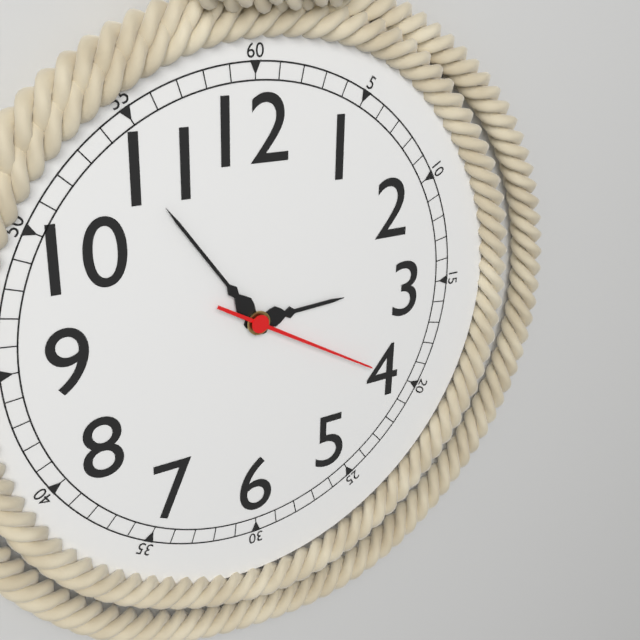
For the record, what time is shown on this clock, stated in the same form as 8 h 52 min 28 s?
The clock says 2 h 54 min 20 s
